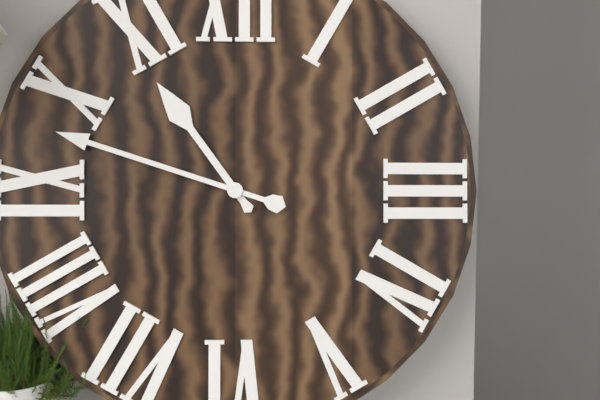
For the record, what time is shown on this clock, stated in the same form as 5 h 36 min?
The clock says 10 h 48 min
